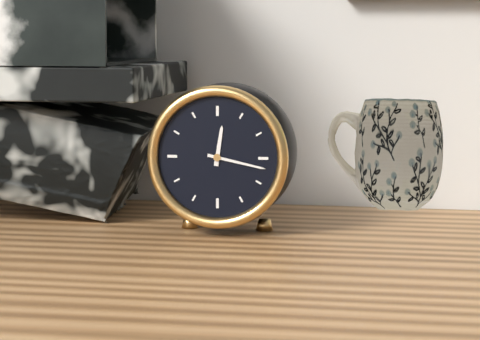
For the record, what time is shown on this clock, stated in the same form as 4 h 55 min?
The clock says 12 h 17 min
